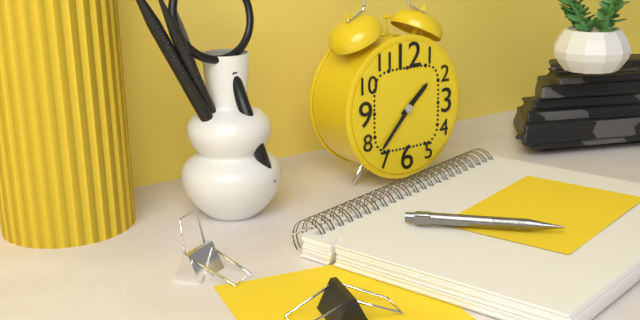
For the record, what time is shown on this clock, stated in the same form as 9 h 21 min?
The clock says 1 h 37 min
